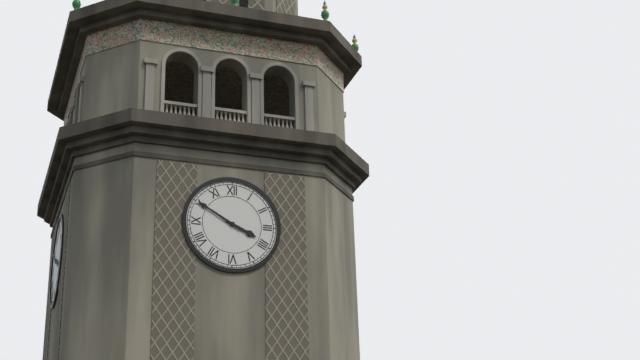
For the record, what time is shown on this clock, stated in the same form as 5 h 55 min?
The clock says 3 h 50 min
